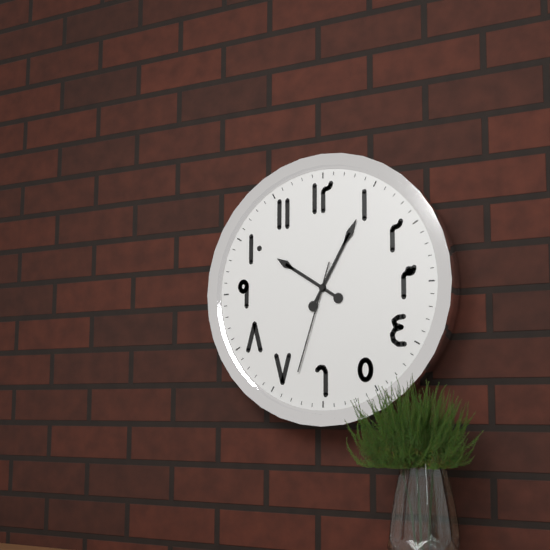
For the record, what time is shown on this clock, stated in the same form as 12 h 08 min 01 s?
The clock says 10 h 05 min 33 s
